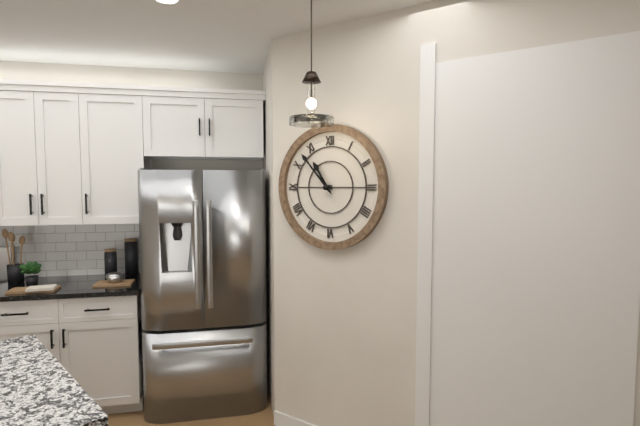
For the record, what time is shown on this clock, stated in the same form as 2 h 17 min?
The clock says 10 h 53 min
